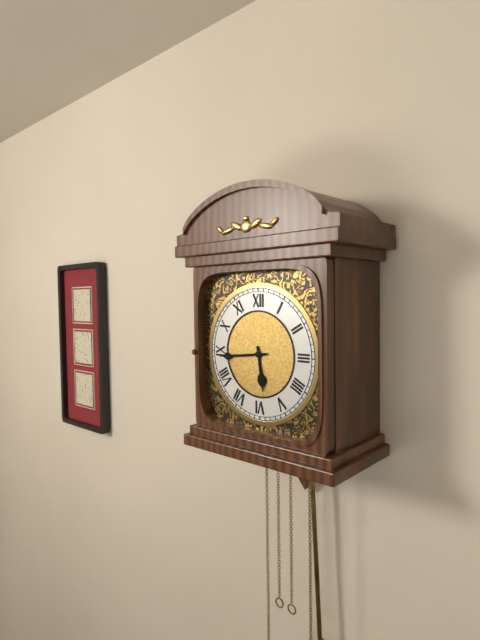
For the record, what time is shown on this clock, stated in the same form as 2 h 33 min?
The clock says 5 h 44 min
